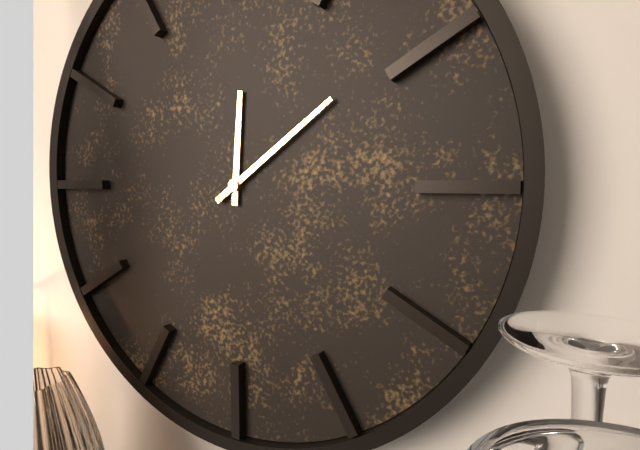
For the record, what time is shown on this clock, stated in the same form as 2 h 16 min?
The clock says 12 h 09 min
